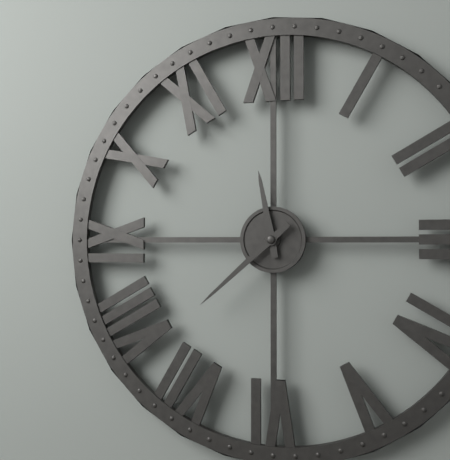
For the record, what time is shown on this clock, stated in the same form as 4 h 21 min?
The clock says 11 h 38 min
